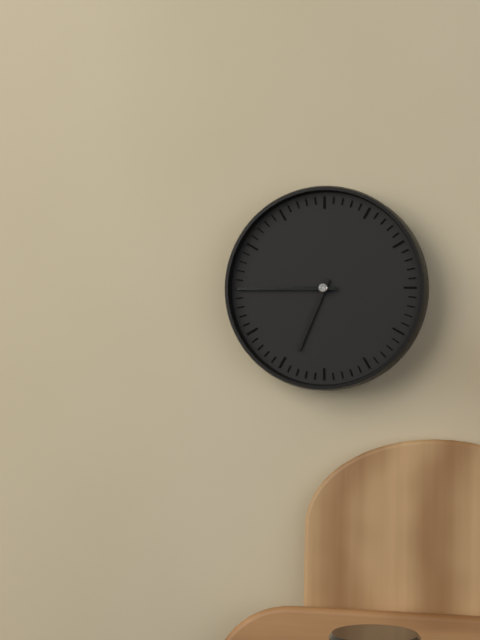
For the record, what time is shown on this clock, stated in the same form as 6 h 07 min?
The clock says 6 h 45 min
